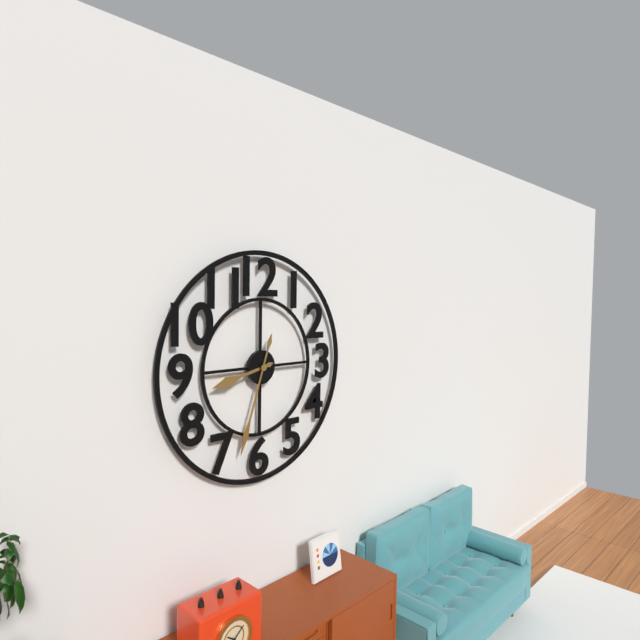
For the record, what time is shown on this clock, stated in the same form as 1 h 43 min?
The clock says 8 h 33 min
